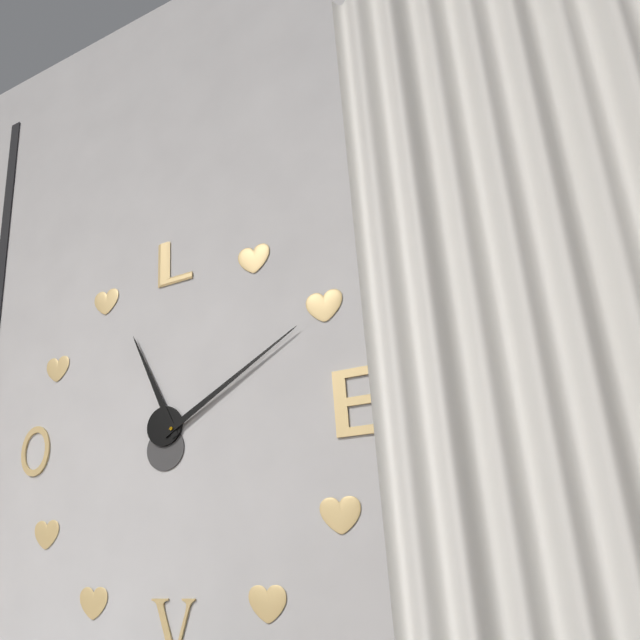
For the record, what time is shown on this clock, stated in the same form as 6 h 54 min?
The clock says 11 h 10 min
